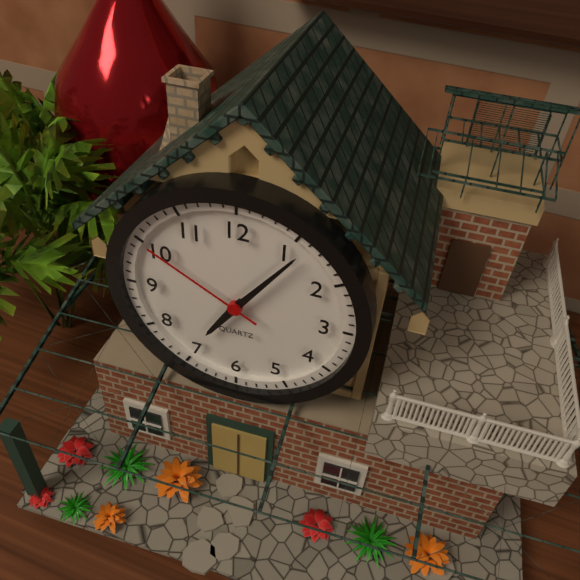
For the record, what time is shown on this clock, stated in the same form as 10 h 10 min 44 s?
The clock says 7 h 06 min 50 s
